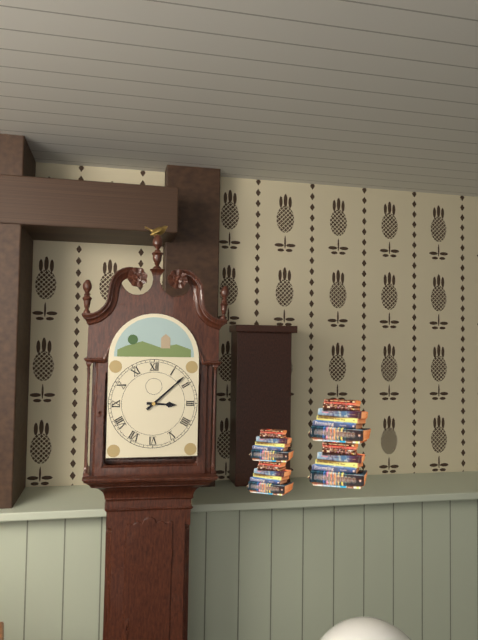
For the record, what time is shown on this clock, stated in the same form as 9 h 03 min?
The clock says 3 h 08 min
